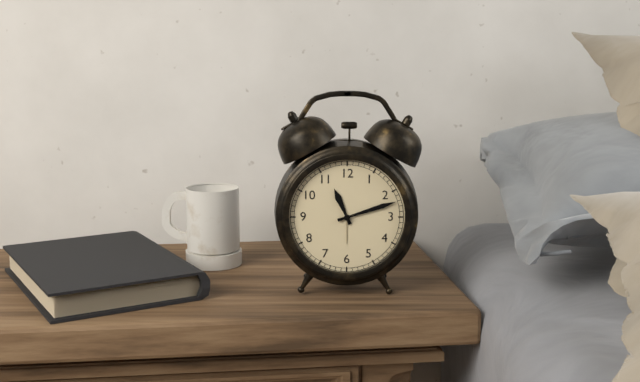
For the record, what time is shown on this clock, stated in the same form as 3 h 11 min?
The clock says 11 h 12 min
